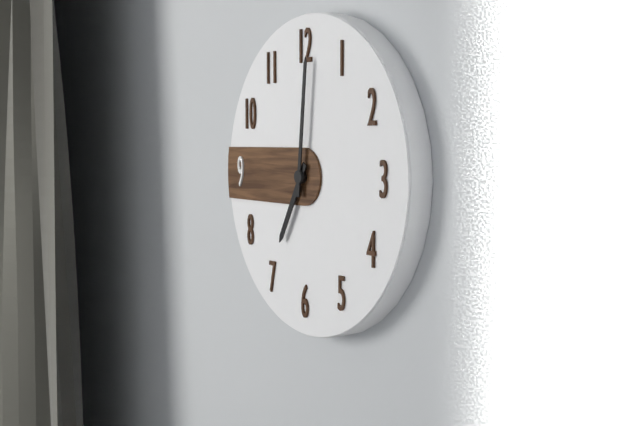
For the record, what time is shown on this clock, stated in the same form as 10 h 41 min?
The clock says 7 h 01 min
